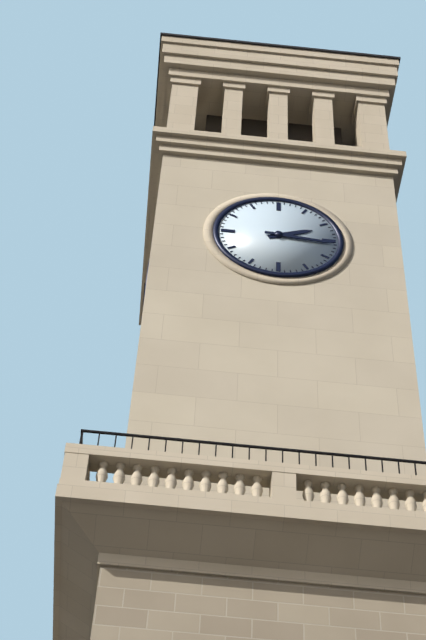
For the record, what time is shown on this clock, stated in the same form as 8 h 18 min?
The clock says 2 h 16 min
